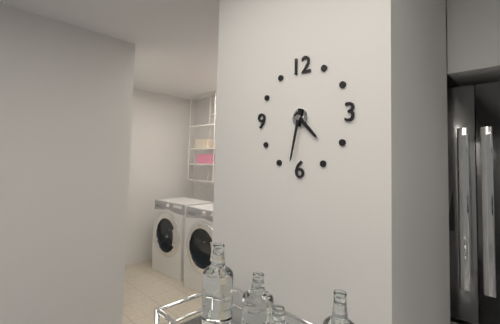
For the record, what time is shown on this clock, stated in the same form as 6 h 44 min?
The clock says 4 h 32 min
